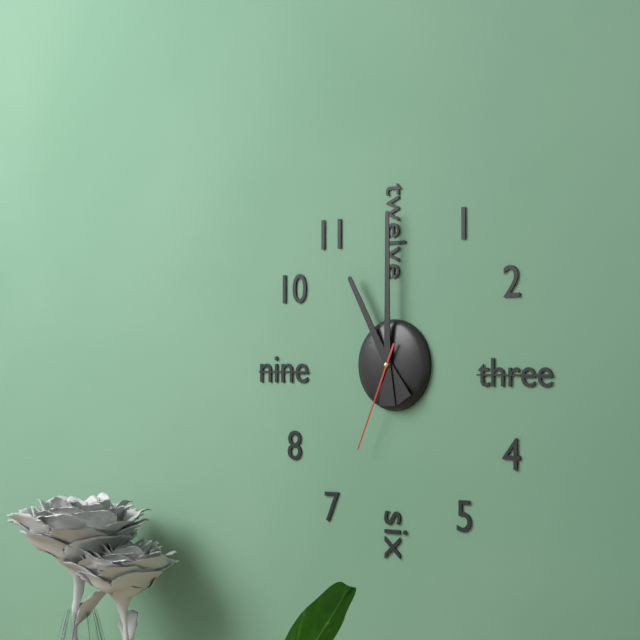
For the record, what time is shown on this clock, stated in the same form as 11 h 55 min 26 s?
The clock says 11 h 00 min 34 s
